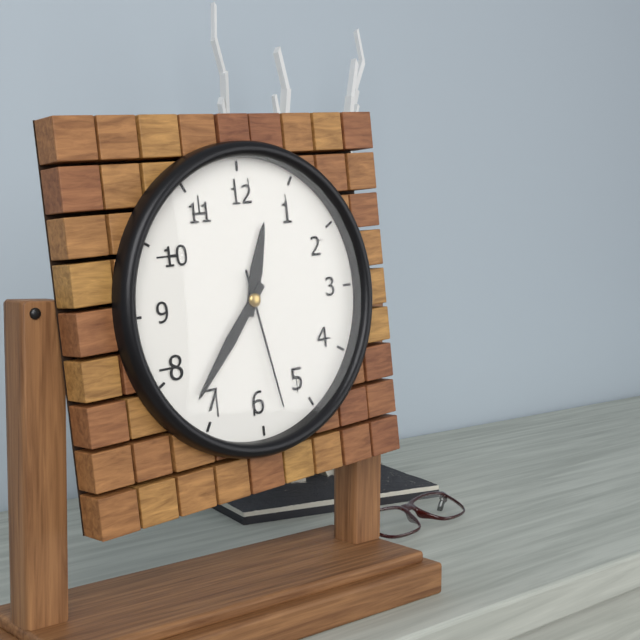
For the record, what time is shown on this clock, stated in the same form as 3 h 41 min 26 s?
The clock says 12 h 37 min 28 s
